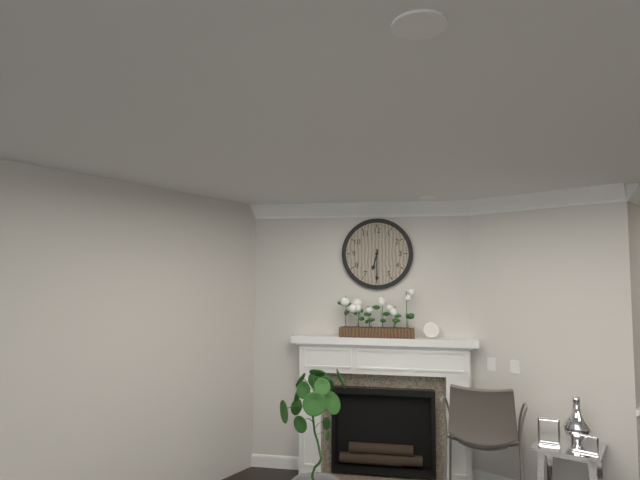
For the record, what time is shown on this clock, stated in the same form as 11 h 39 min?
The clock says 6 h 30 min
